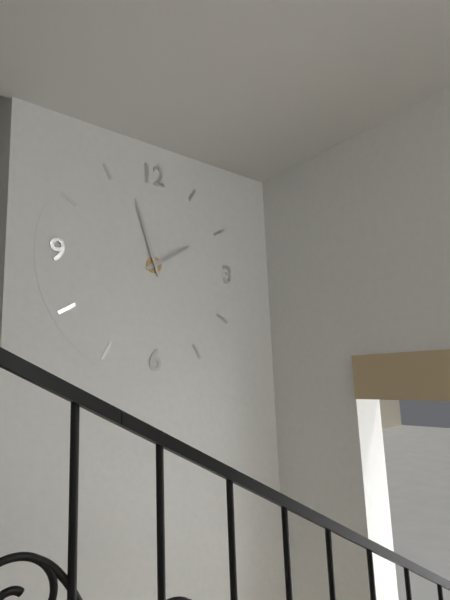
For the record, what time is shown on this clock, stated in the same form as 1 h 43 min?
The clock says 1 h 57 min
